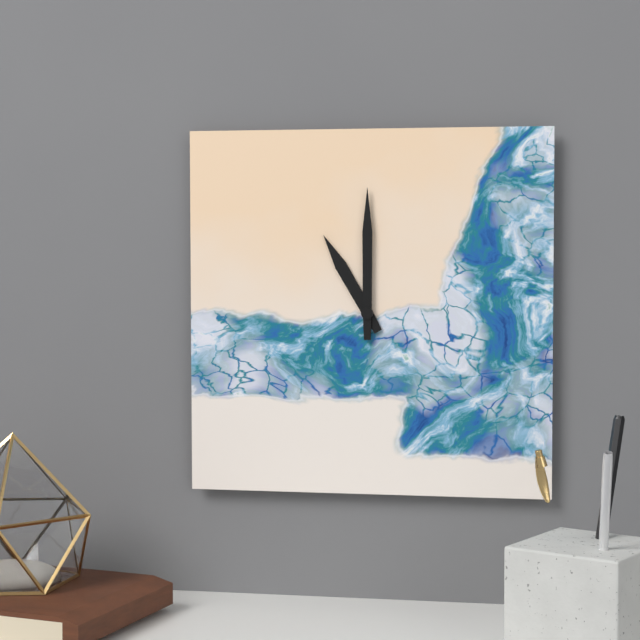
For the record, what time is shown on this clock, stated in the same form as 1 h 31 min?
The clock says 11 h 00 min
